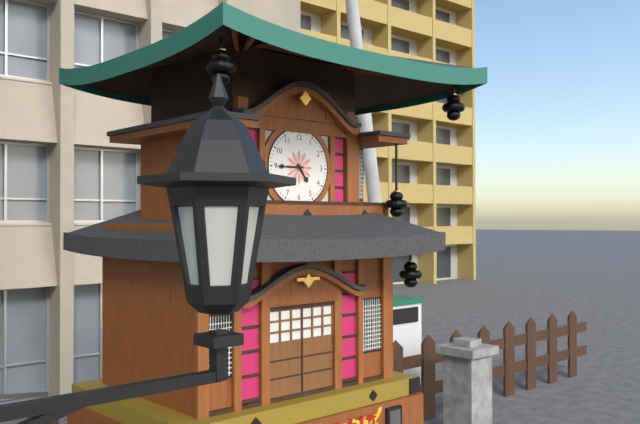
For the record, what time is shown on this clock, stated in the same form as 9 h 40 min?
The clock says 4 h 45 min
